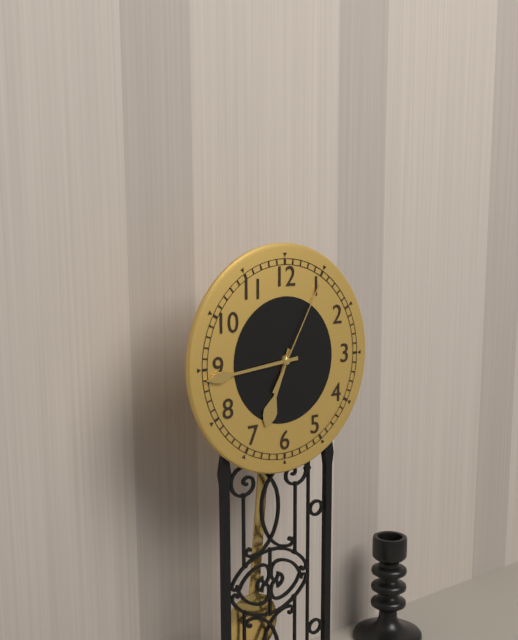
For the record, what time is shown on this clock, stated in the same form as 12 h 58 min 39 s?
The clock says 6 h 44 min 05 s
